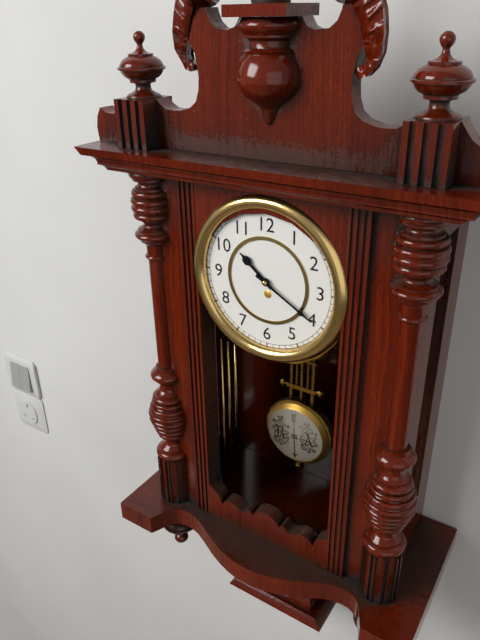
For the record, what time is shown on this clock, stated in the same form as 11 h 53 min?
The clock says 10 h 20 min
